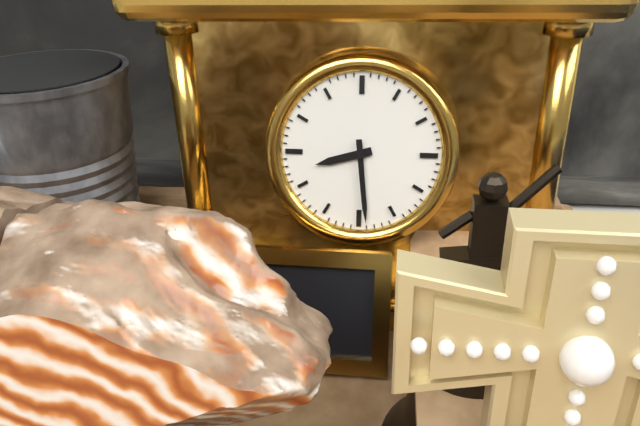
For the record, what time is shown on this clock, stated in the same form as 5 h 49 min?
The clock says 8 h 29 min
